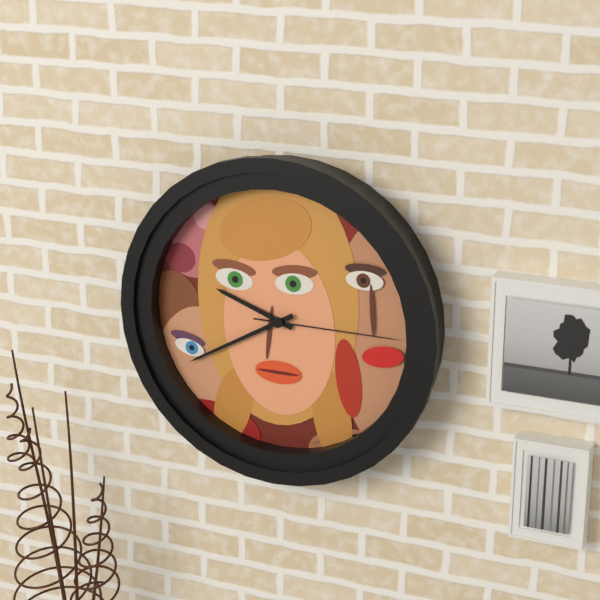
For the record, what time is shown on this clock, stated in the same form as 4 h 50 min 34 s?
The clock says 9 h 40 min 15 s
